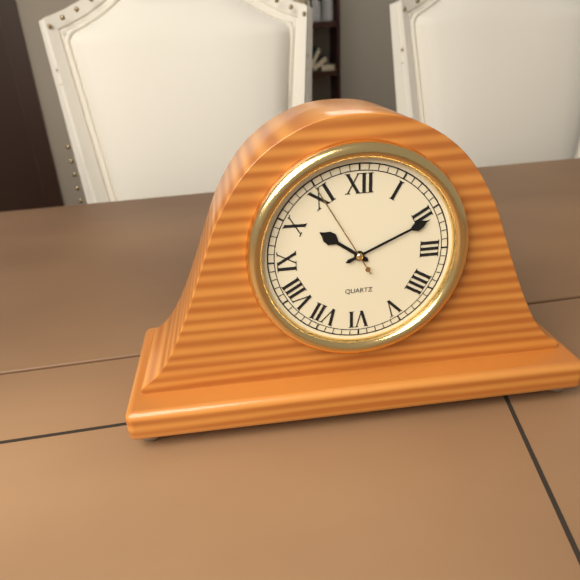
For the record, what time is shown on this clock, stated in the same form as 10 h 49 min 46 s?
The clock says 10 h 11 min 55 s
